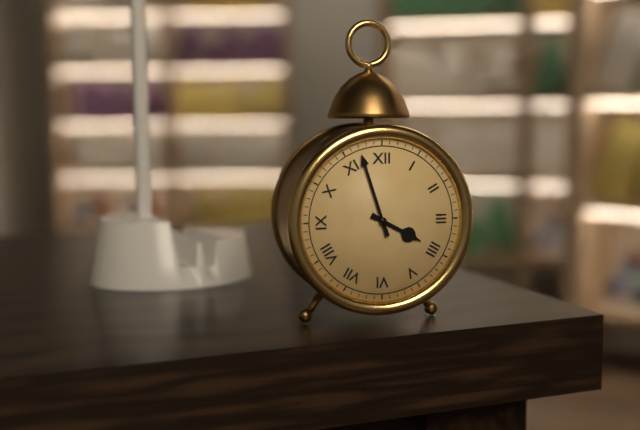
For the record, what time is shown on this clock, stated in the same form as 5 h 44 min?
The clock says 3 h 57 min
